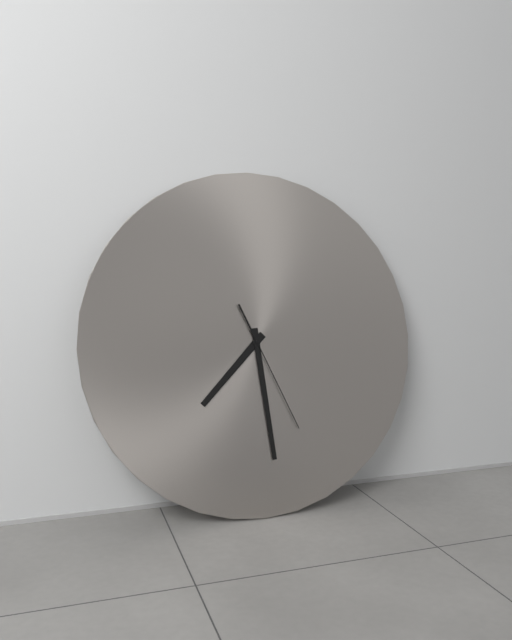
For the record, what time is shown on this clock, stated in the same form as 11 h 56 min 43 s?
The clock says 7 h 29 min 26 s
